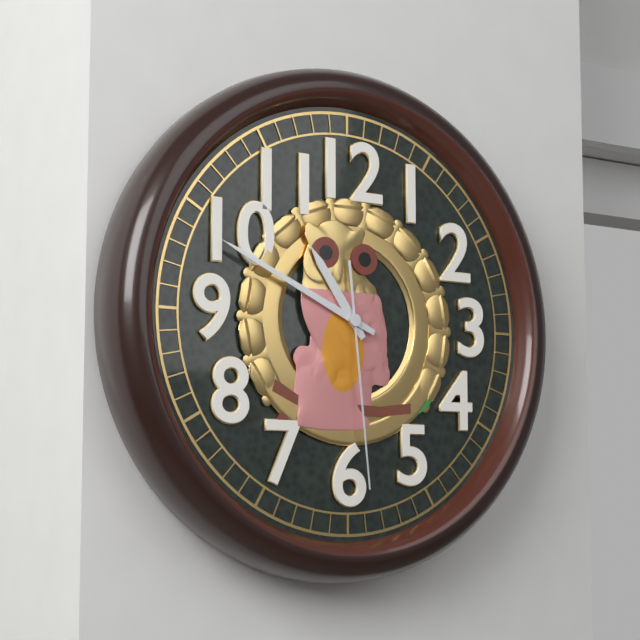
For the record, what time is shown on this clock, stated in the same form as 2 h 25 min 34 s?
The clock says 10 h 49 min 29 s
